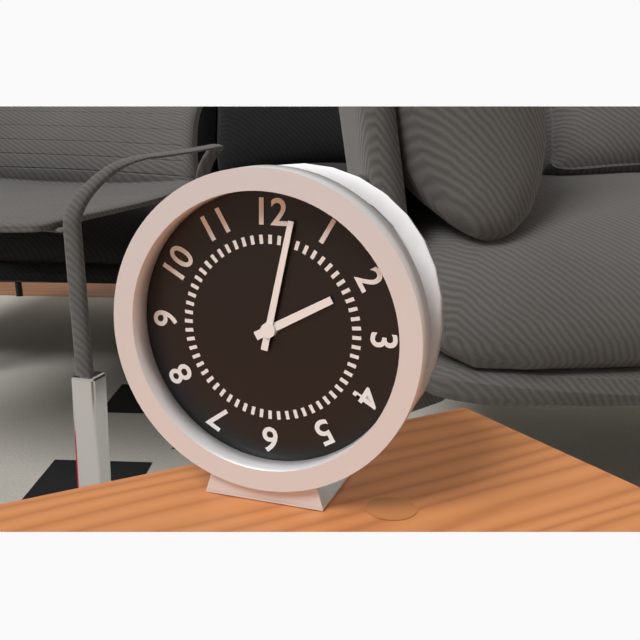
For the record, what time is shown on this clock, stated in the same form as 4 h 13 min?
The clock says 2 h 02 min
